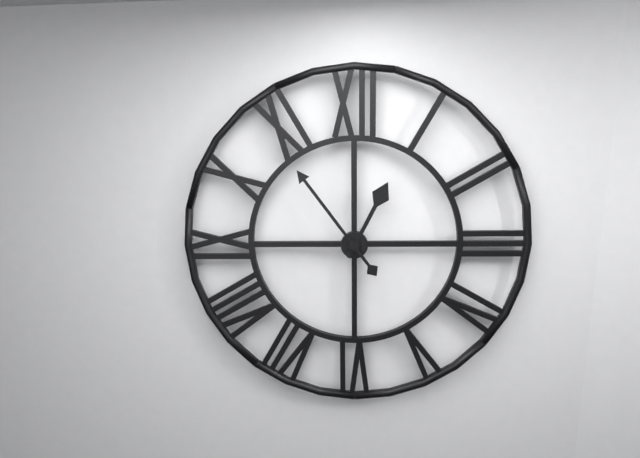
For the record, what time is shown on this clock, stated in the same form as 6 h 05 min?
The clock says 12 h 54 min
